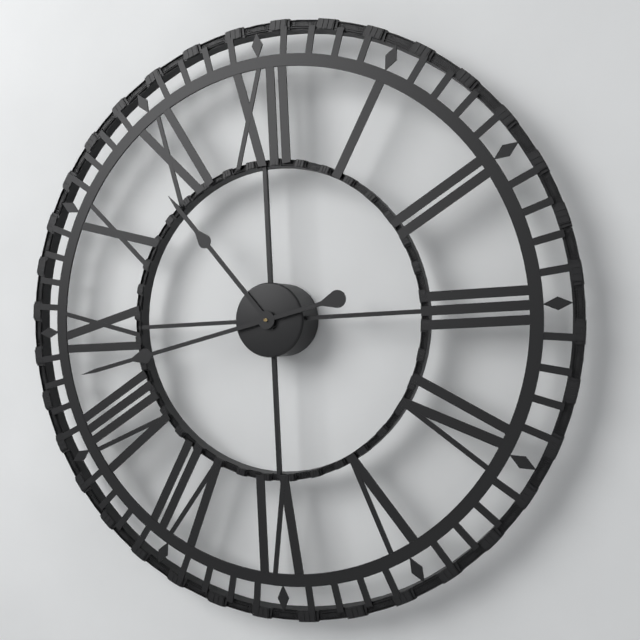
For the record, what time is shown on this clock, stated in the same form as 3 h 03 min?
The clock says 10 h 43 min
